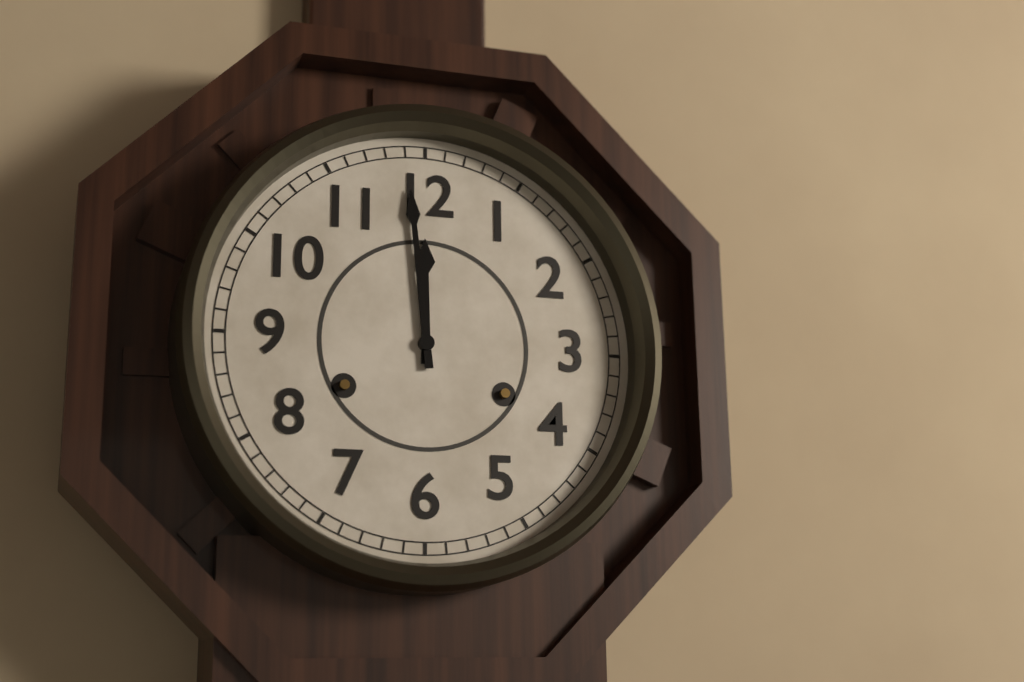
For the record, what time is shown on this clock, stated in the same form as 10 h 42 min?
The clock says 11 h 59 min
